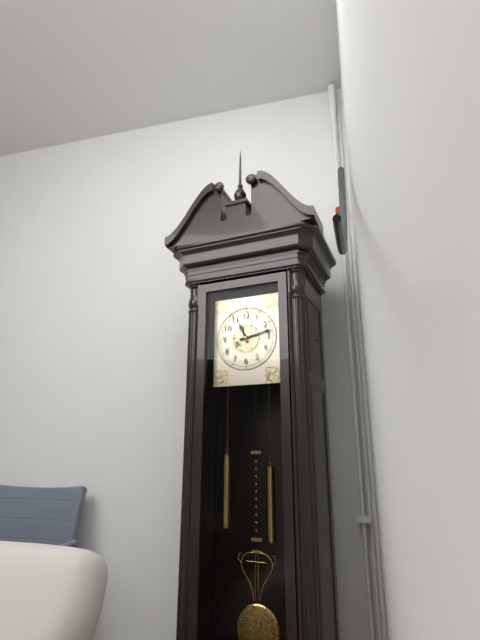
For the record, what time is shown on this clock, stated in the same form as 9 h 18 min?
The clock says 11 h 13 min
